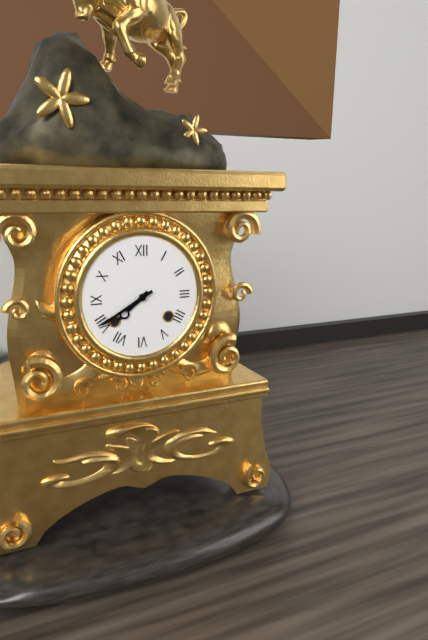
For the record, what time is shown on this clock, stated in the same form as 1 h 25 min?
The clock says 7 h 40 min
